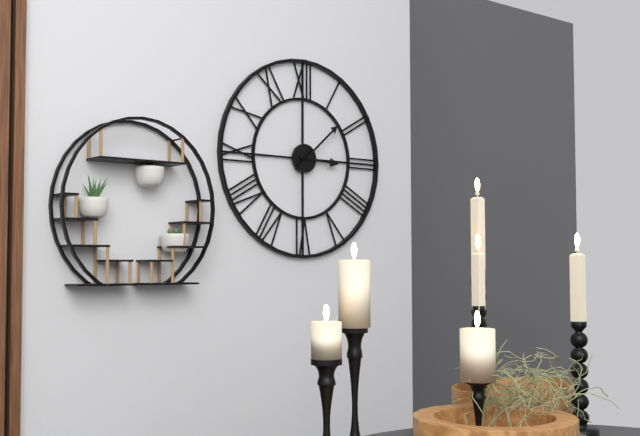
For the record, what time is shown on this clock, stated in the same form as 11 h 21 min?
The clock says 3 h 08 min
